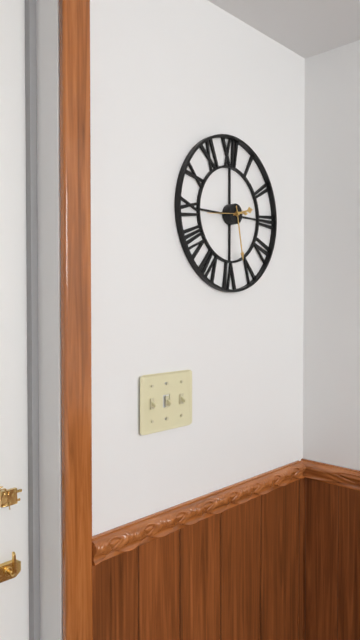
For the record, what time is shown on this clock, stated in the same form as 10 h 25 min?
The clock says 2 h 28 min
